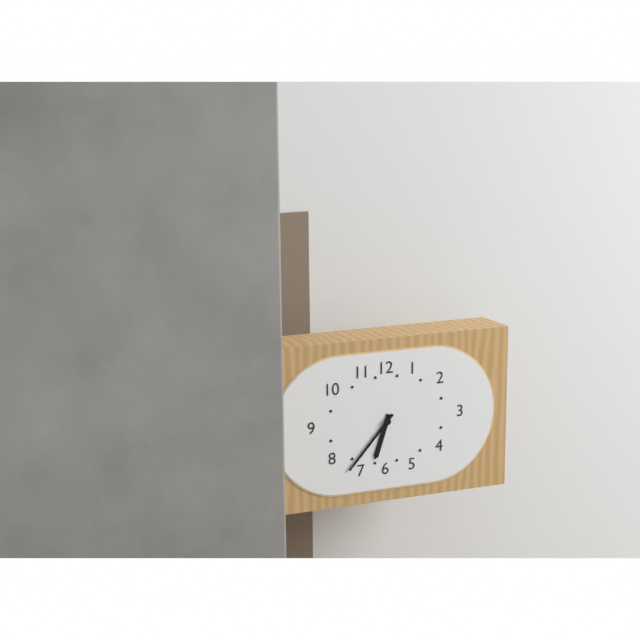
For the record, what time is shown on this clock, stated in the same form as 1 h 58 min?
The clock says 6 h 37 min
